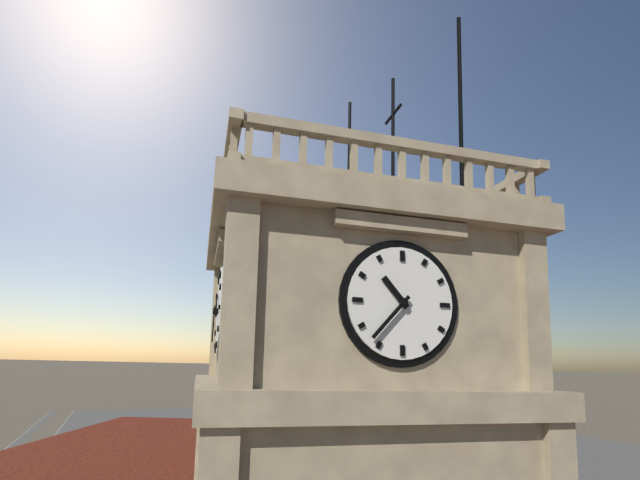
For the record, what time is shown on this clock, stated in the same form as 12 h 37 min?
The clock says 10 h 37 min
